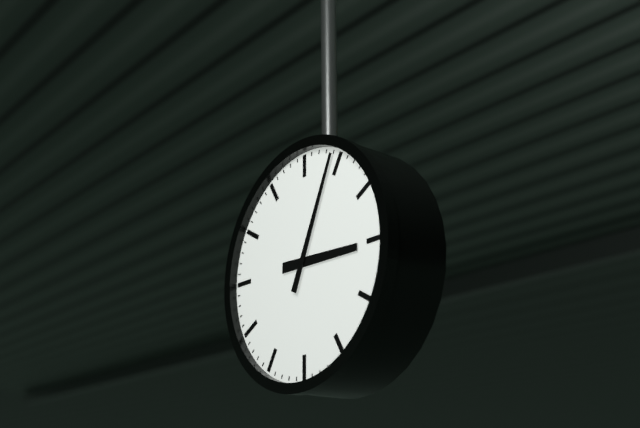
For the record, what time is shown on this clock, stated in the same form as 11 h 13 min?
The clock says 3 h 04 min
